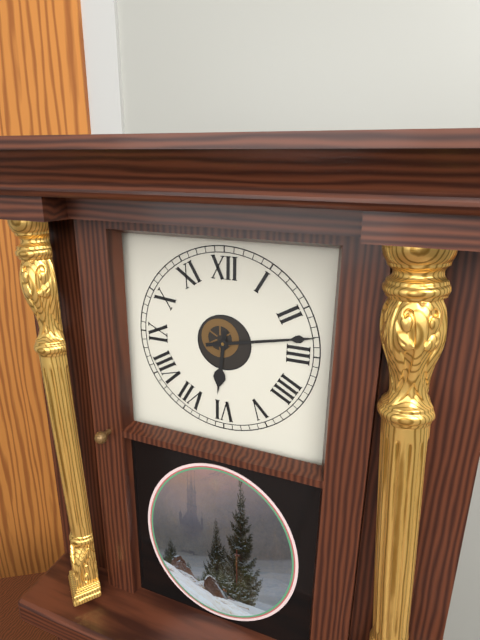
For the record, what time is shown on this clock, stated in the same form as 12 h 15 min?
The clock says 6 h 13 min
